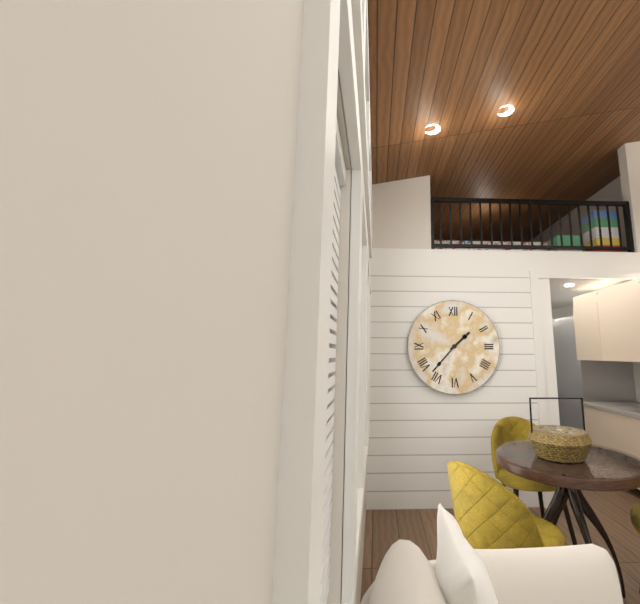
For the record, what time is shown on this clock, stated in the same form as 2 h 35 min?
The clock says 1 h 37 min
